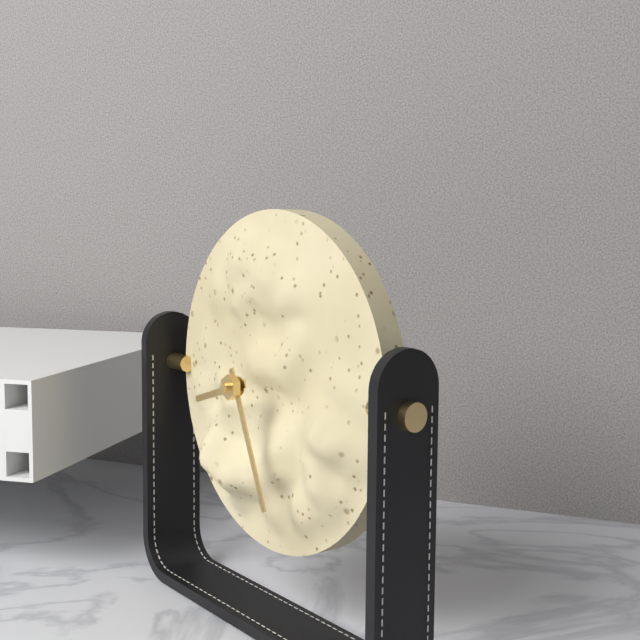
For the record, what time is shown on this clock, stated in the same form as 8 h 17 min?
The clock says 8 h 26 min
